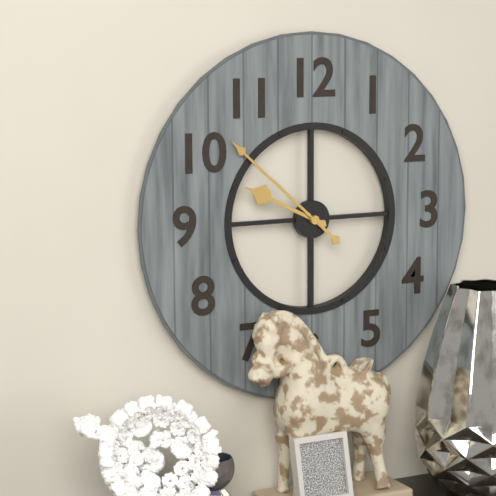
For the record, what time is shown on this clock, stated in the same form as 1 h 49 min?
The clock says 9 h 52 min
